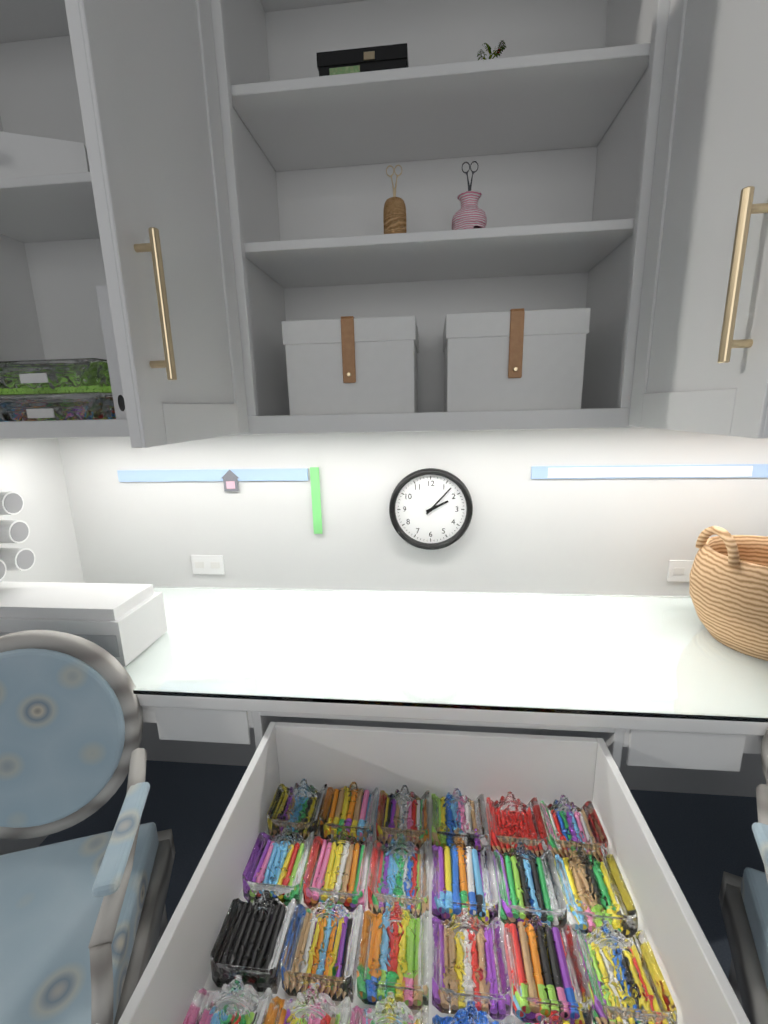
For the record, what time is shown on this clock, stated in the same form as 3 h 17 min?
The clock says 2 h 07 min
